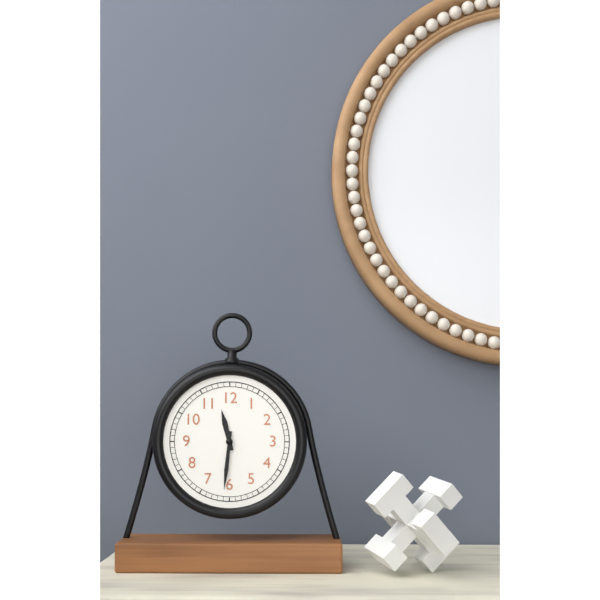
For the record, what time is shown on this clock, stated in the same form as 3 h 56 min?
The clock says 11 h 31 min
